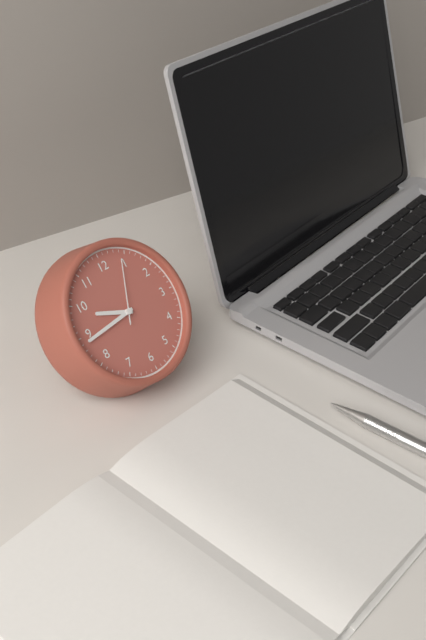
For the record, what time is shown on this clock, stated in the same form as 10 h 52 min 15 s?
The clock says 9 h 44 min 04 s
